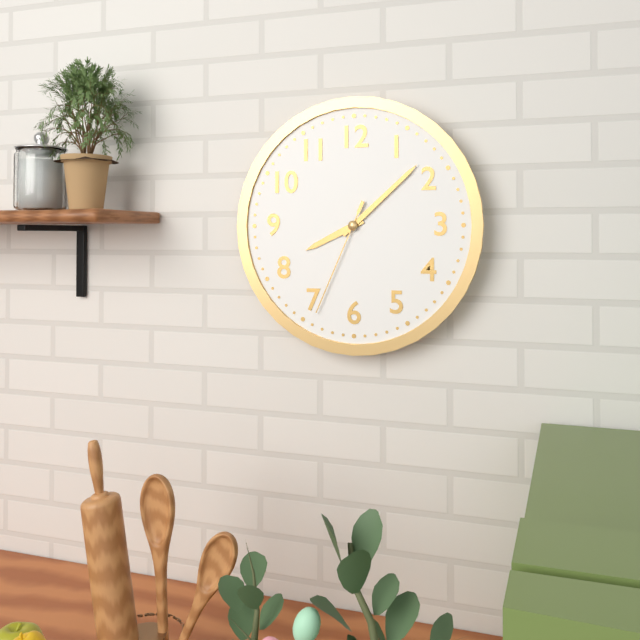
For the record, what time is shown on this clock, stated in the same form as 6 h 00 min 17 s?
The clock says 8 h 08 min 34 s
